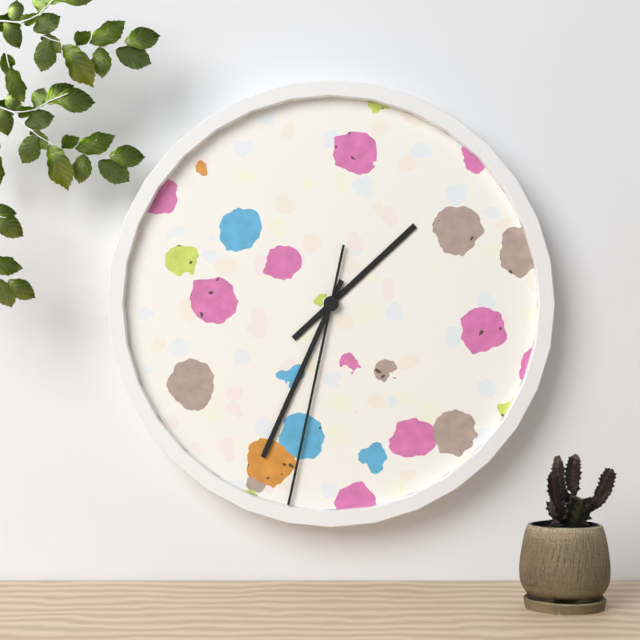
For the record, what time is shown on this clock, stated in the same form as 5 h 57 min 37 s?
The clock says 1 h 34 min 32 s
